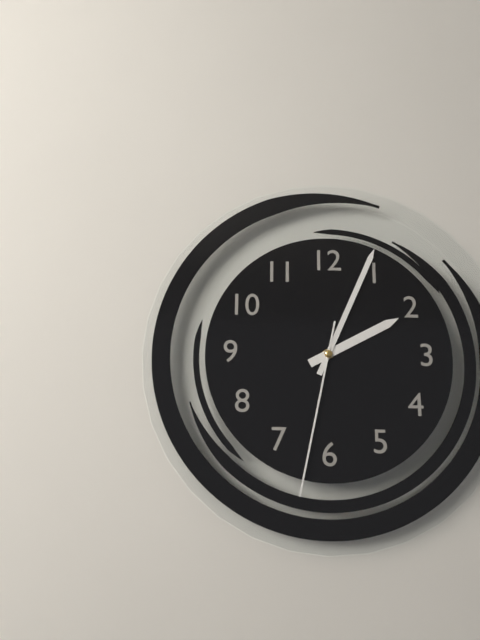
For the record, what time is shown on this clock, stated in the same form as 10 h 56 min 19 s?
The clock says 2 h 04 min 32 s
